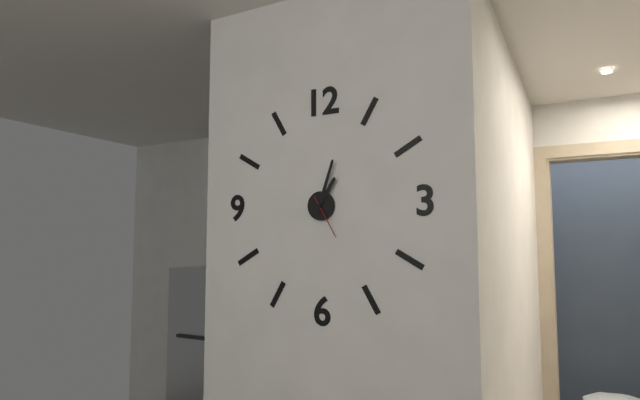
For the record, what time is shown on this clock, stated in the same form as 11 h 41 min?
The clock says 1 h 03 min
